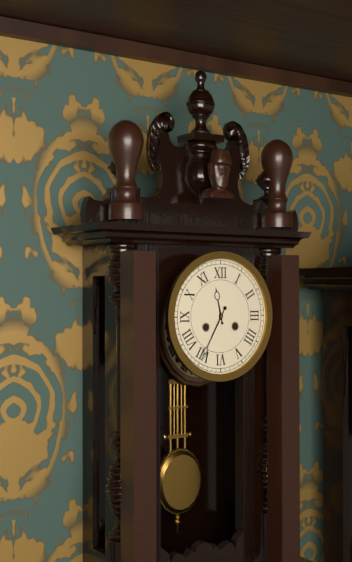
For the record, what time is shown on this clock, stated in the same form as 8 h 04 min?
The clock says 11 h 35 min
